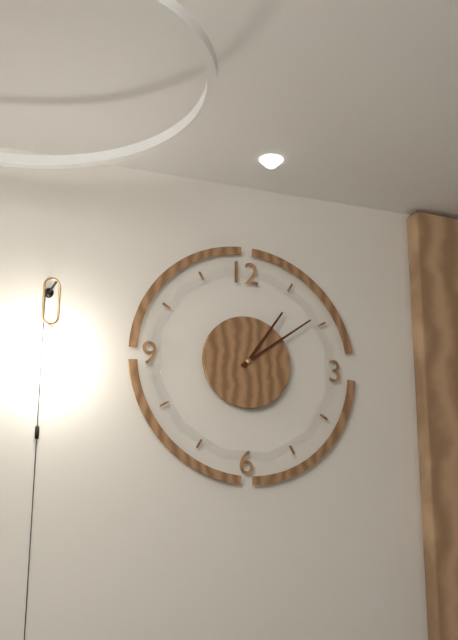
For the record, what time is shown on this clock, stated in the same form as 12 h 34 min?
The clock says 1 h 09 min
